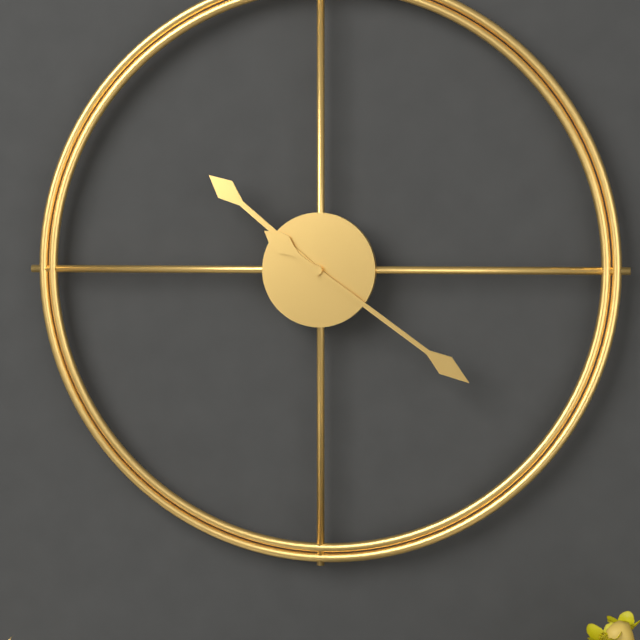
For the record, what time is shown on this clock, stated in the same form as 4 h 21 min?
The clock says 10 h 21 min
